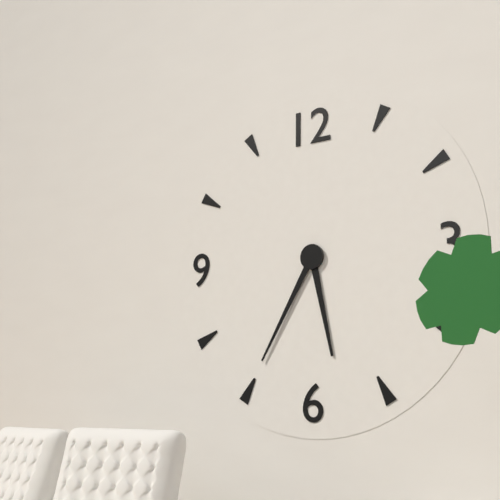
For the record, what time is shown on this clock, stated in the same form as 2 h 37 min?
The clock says 5 h 35 min
